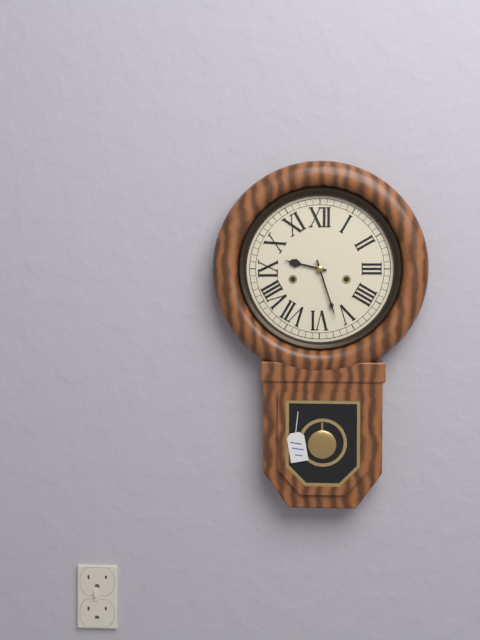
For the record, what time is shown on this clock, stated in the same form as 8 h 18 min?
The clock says 9 h 27 min
